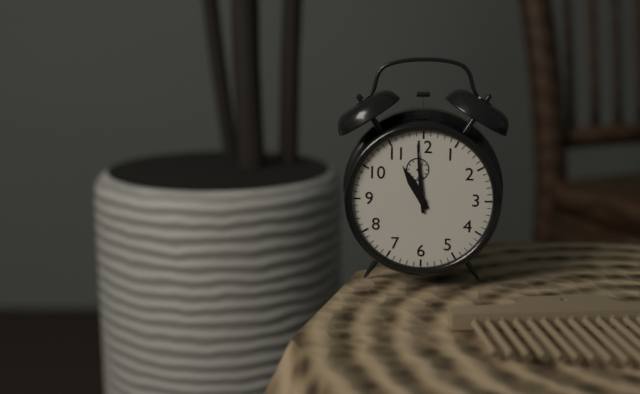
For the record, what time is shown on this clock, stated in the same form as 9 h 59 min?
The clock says 10 h 59 min
